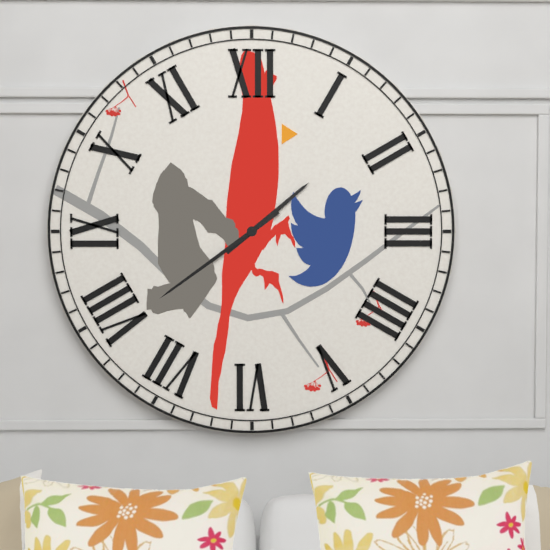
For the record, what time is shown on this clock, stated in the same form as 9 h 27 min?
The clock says 1 h 39 min
